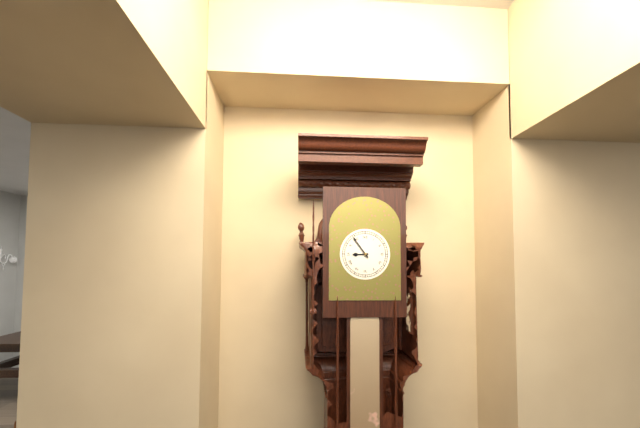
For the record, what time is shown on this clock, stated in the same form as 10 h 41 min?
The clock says 8 h 54 min
